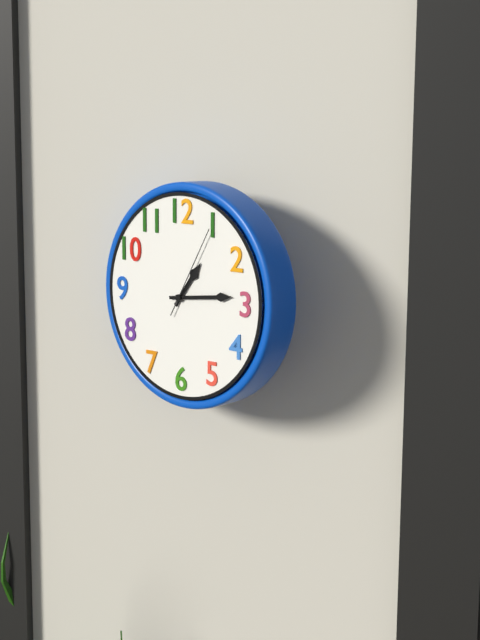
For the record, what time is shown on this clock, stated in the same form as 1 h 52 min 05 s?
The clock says 1 h 14 min 05 s
